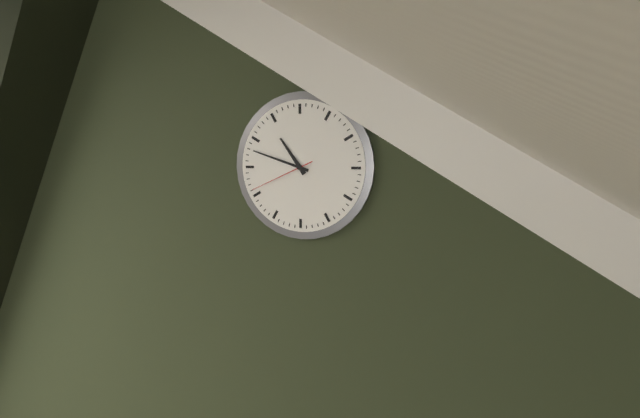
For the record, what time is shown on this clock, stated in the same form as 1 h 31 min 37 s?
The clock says 10 h 48 min 41 s
